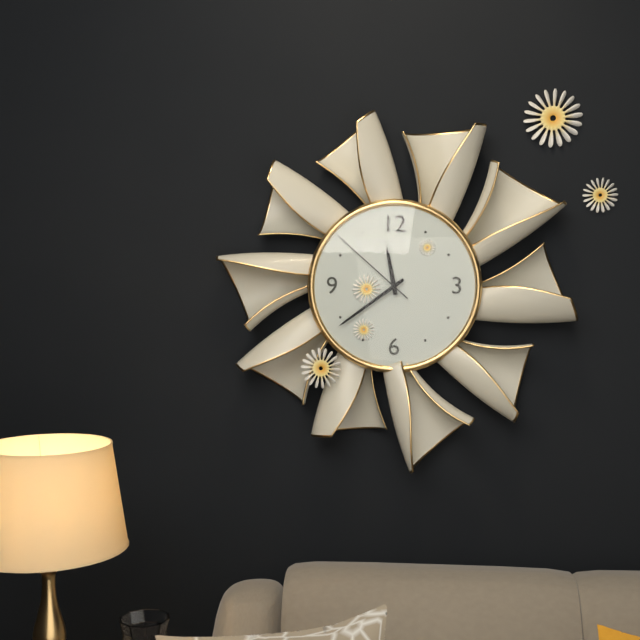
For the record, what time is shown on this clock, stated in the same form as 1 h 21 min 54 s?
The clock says 11 h 39 min 52 s
